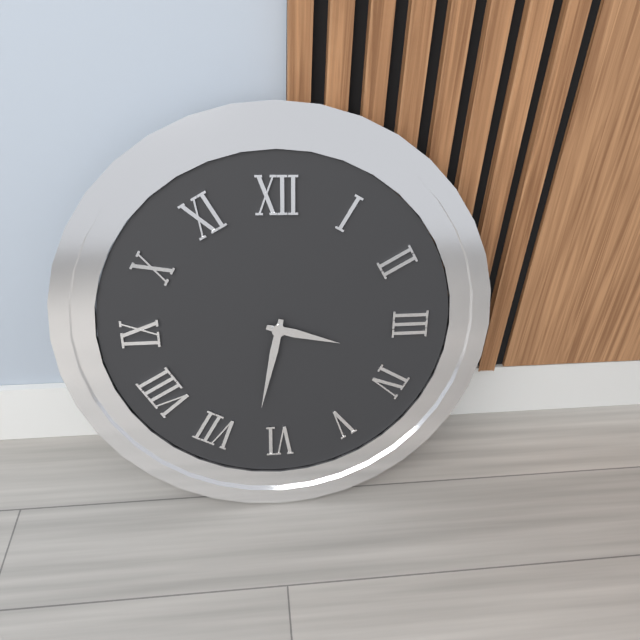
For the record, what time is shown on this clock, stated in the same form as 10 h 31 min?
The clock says 3 h 32 min
